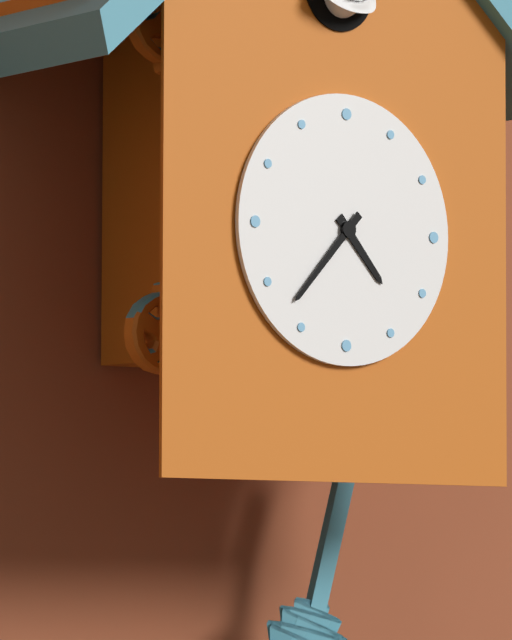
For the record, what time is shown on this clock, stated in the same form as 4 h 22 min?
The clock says 4 h 37 min
